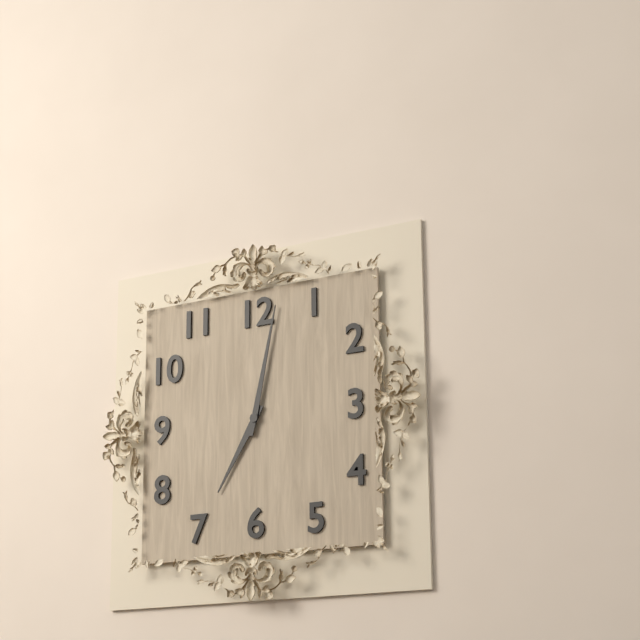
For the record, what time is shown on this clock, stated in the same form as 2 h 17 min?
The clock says 7 h 02 min
